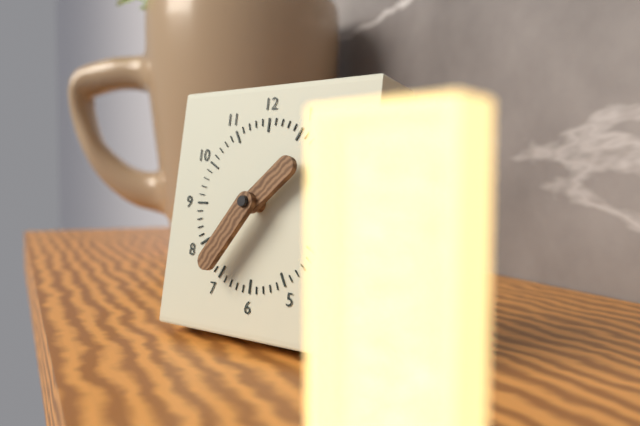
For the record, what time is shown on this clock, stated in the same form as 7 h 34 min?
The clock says 1 h 36 min
